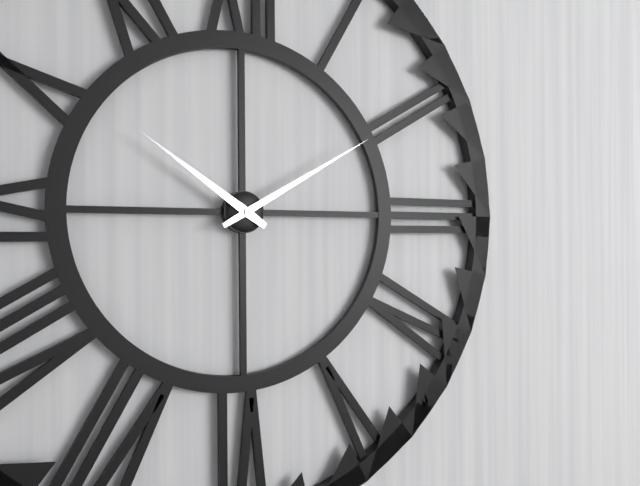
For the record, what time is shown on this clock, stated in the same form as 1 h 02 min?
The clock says 10 h 10 min
